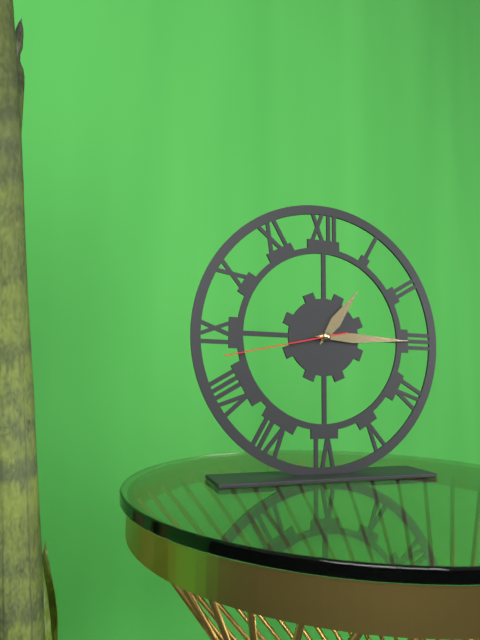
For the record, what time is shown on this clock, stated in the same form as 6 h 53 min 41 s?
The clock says 1 h 15 min 43 s
